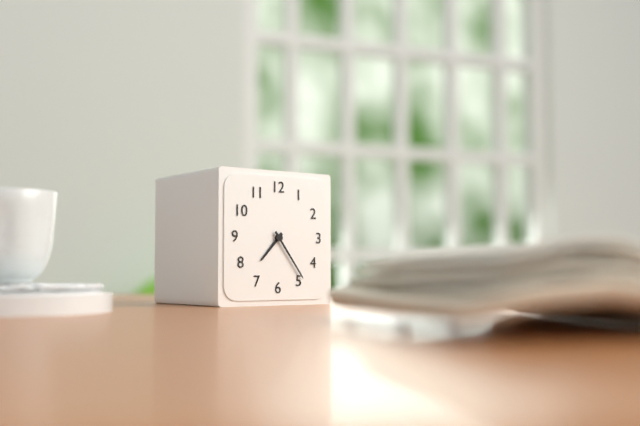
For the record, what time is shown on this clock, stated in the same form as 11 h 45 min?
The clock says 7 h 24 min
